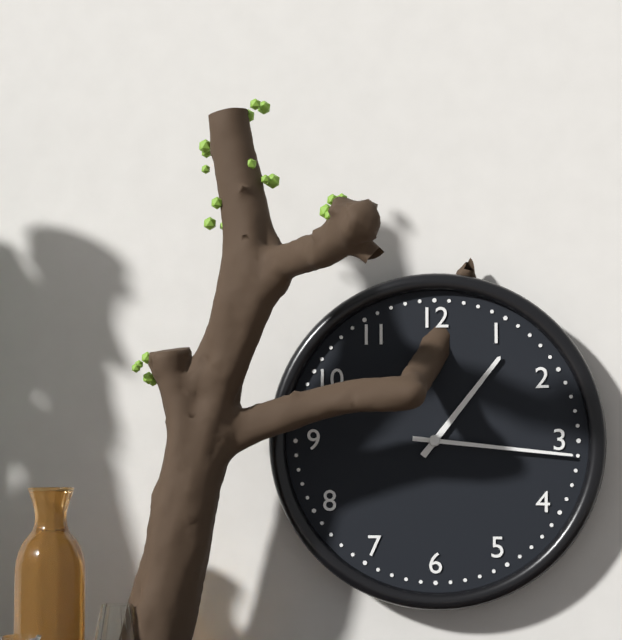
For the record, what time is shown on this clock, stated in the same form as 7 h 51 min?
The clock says 1 h 16 min
